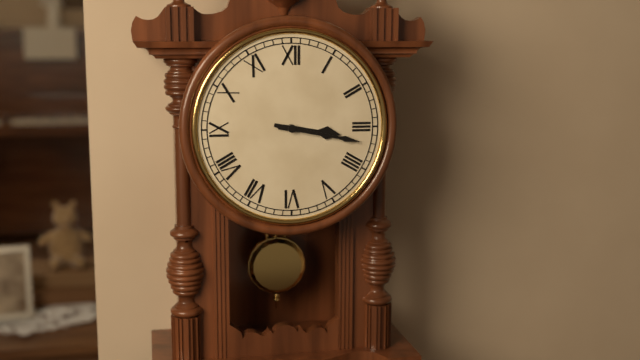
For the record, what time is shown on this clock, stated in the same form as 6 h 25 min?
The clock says 3 h 17 min
